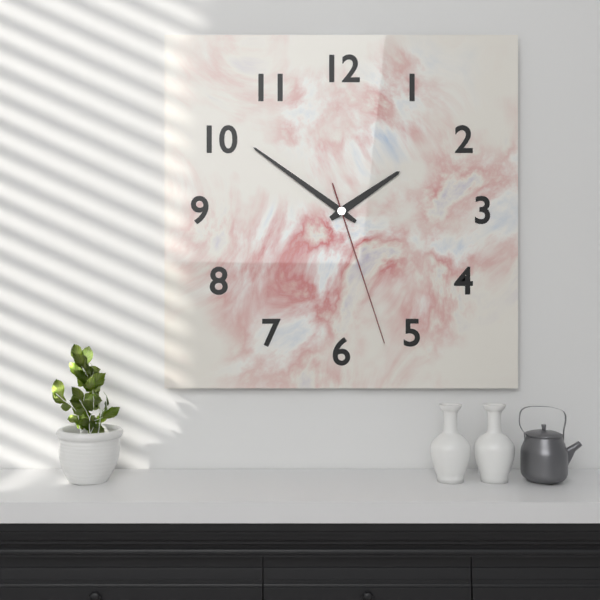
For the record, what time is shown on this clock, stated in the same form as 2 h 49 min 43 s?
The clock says 1 h 51 min 27 s
